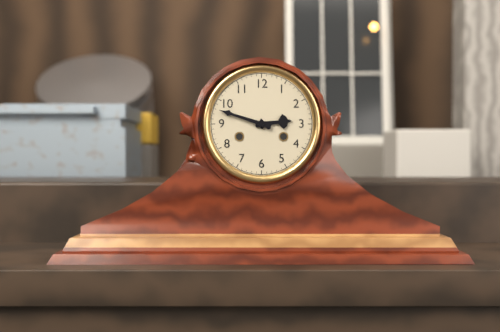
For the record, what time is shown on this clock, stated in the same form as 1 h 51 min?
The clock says 2 h 48 min
